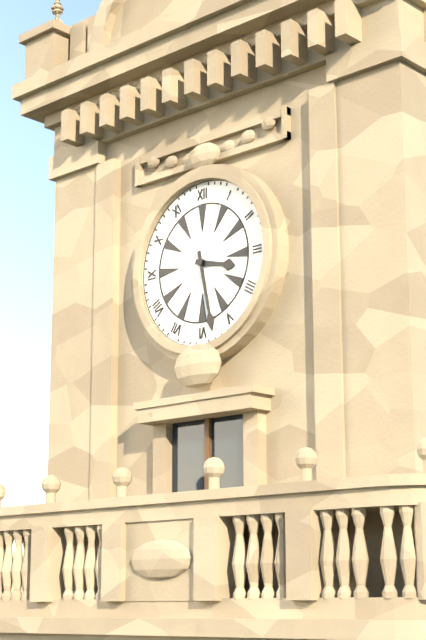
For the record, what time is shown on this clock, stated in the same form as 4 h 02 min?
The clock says 3 h 28 min
